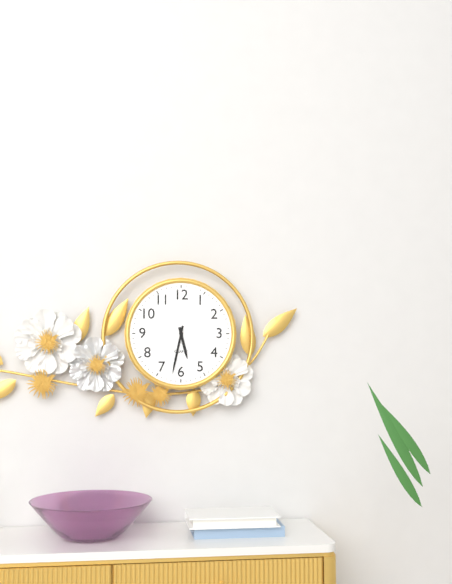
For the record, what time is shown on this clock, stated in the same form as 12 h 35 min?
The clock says 5 h 32 min
